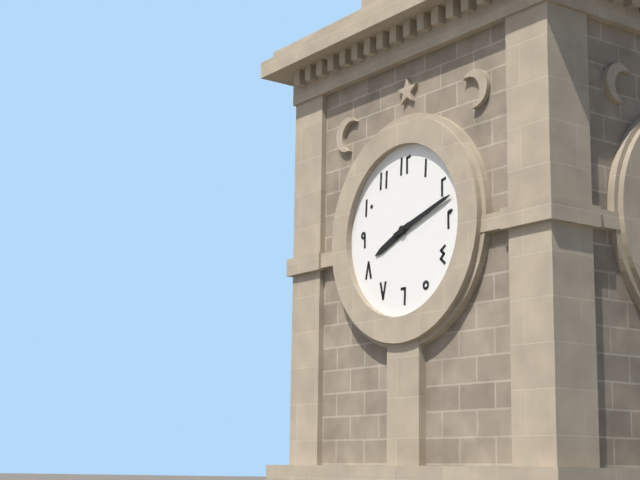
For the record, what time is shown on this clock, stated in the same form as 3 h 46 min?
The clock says 8 h 12 min
